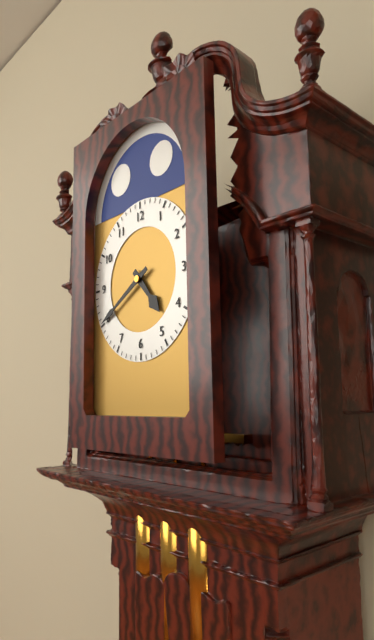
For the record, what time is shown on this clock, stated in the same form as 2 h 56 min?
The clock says 4 h 40 min
